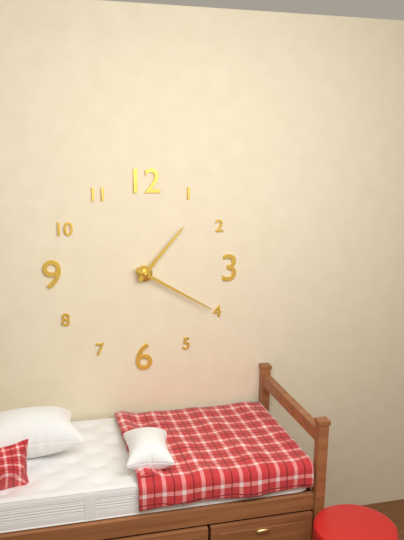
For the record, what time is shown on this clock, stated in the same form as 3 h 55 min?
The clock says 1 h 20 min
